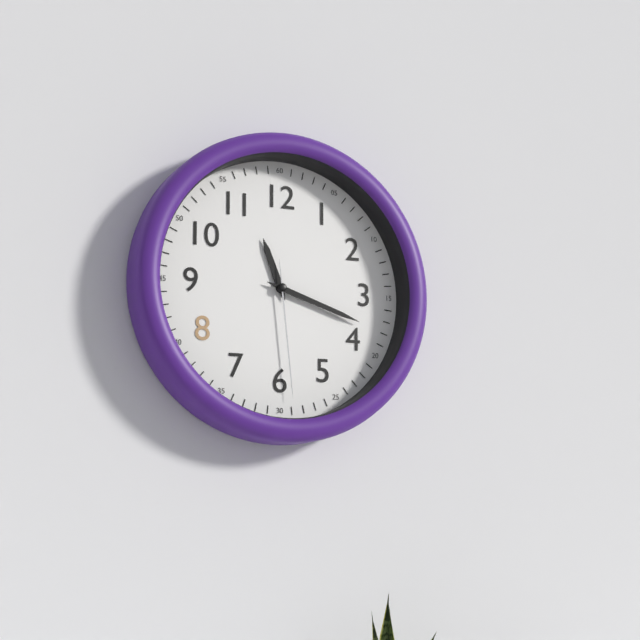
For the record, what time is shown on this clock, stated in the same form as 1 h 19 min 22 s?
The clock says 11 h 18 min 29 s
